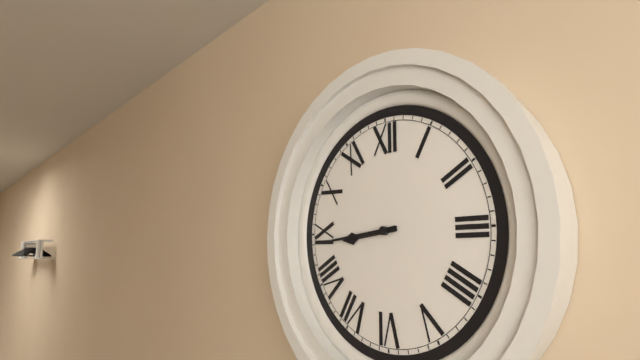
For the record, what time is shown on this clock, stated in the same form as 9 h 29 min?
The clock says 8 h 44 min
